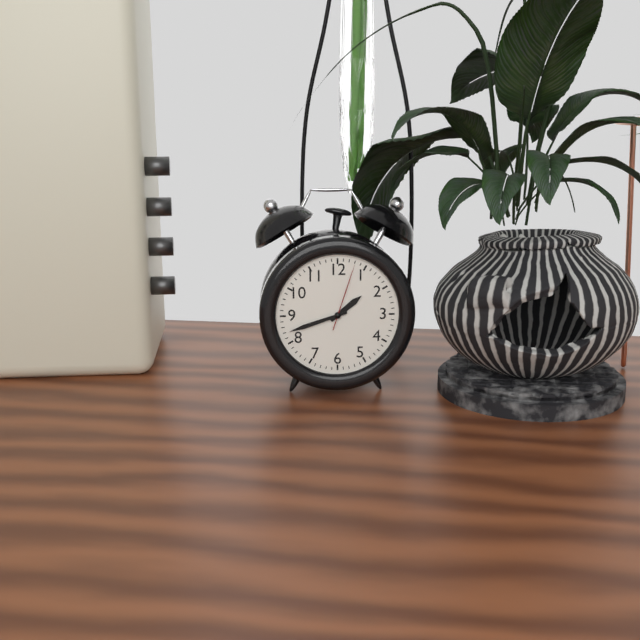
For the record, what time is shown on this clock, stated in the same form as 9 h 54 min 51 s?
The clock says 1 h 42 min 03 s
